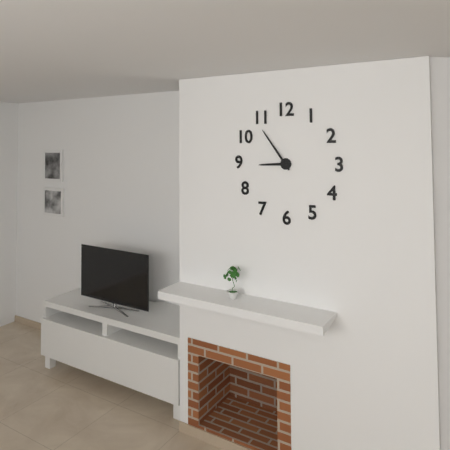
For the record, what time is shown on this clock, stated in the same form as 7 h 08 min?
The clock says 8 h 54 min
